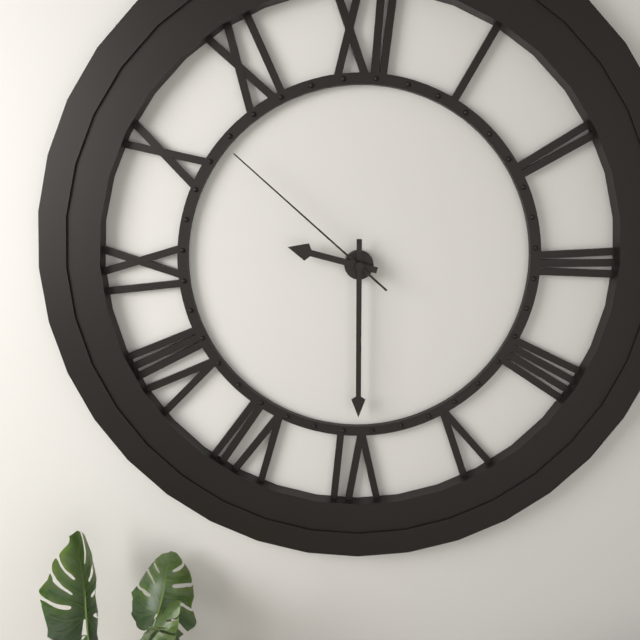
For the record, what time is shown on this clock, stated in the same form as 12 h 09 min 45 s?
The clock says 9 h 30 min 52 s
